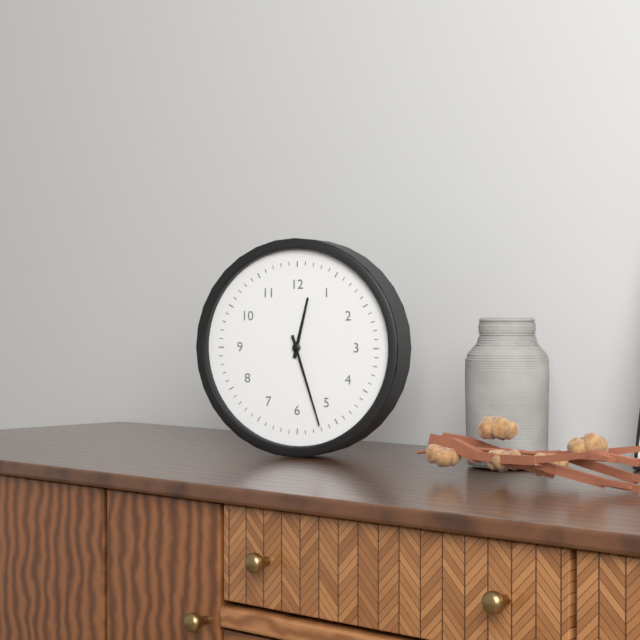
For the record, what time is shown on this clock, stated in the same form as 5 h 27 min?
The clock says 12 h 27 min
